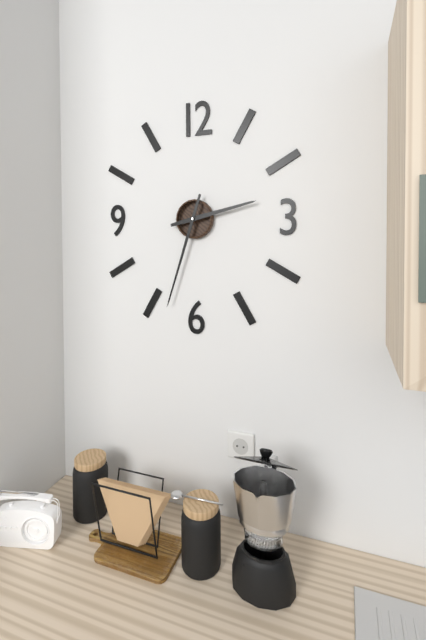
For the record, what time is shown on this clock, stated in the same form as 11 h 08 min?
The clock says 2 h 33 min
